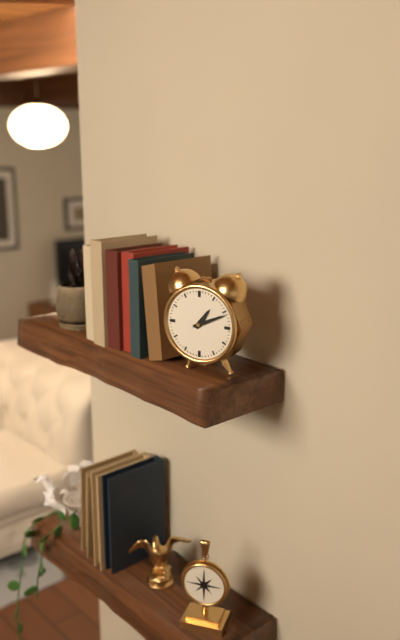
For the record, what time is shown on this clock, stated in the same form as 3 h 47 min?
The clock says 1 h 11 min
